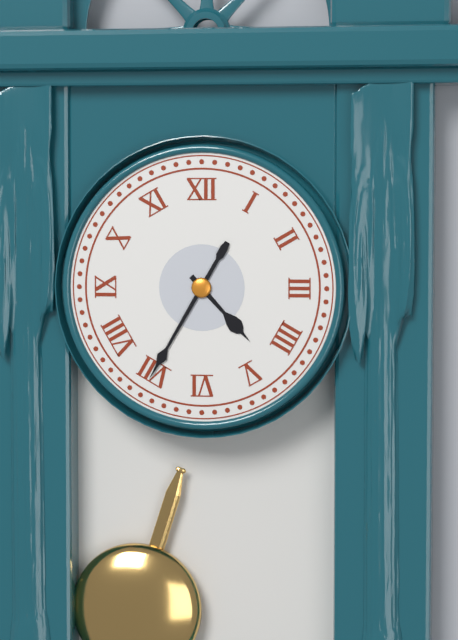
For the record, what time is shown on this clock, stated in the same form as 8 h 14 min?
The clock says 4 h 35 min
